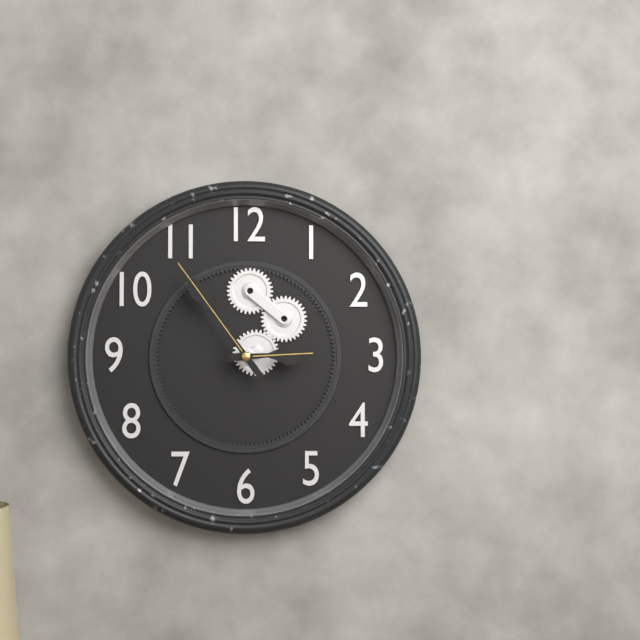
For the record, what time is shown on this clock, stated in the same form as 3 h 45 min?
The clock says 2 h 54 min
